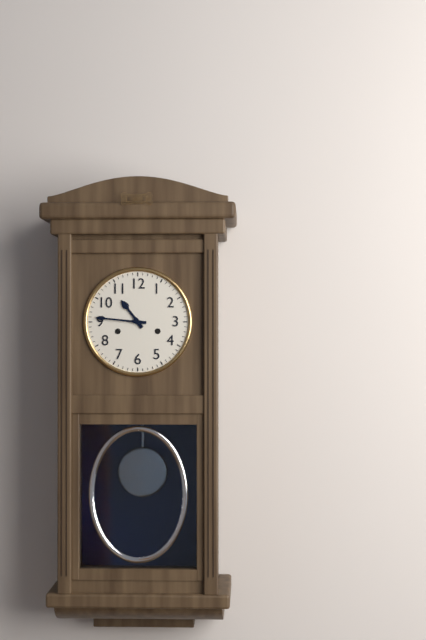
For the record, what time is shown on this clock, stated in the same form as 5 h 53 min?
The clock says 10 h 46 min
